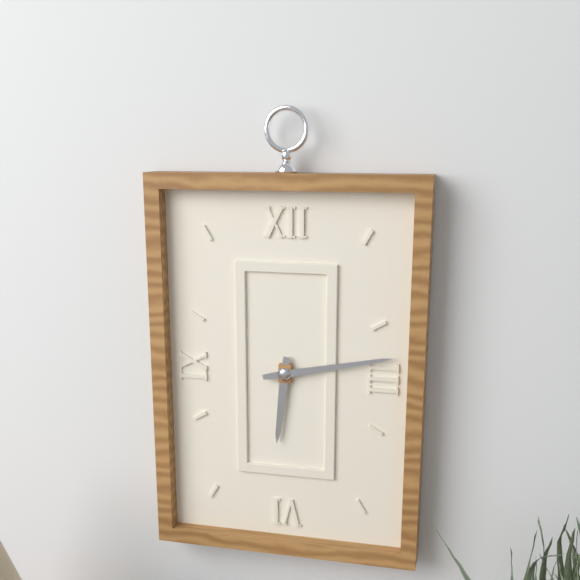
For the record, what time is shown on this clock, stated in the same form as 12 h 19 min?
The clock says 6 h 13 min
